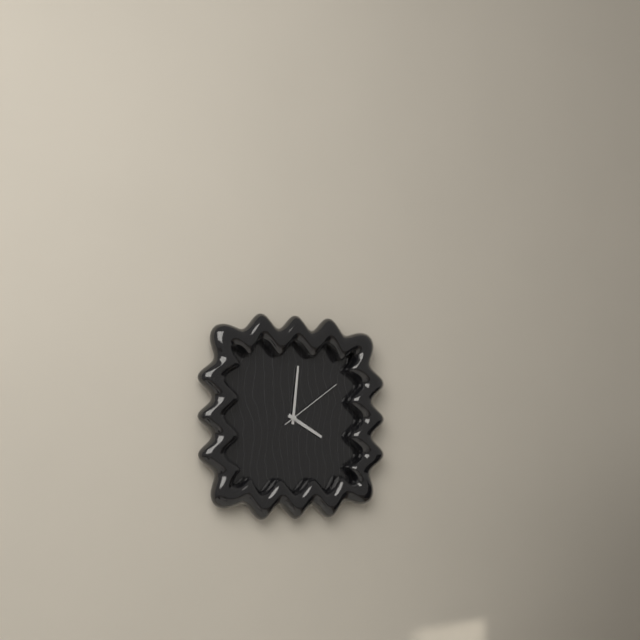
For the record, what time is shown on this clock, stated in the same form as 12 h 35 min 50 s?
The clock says 4 h 01 min 09 s
